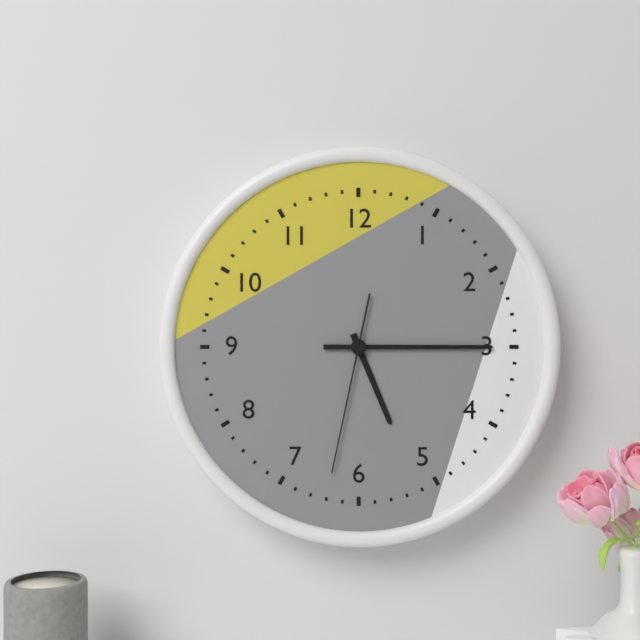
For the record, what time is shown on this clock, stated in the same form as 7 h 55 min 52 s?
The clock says 5 h 15 min 32 s
